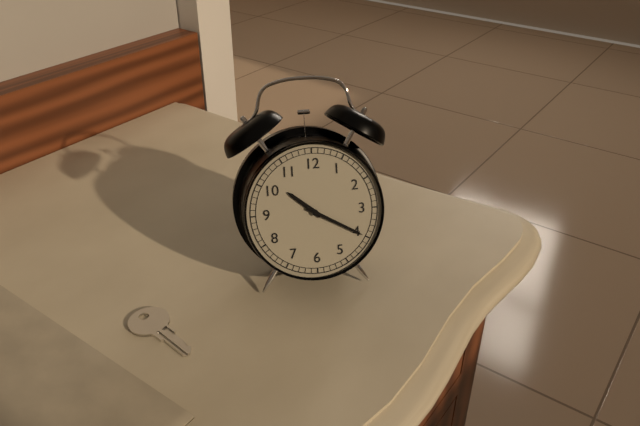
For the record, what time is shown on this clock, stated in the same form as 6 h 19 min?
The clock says 10 h 20 min
